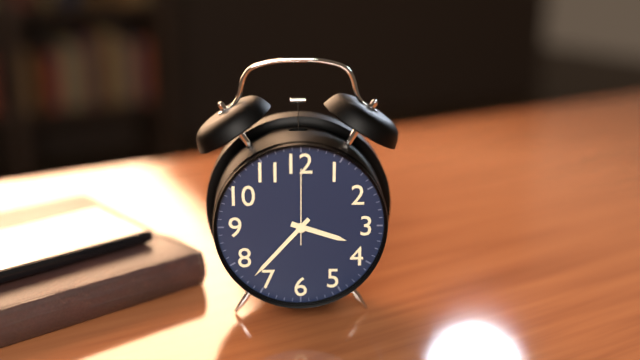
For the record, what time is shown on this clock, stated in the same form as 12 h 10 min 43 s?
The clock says 3 h 37 min 00 s
